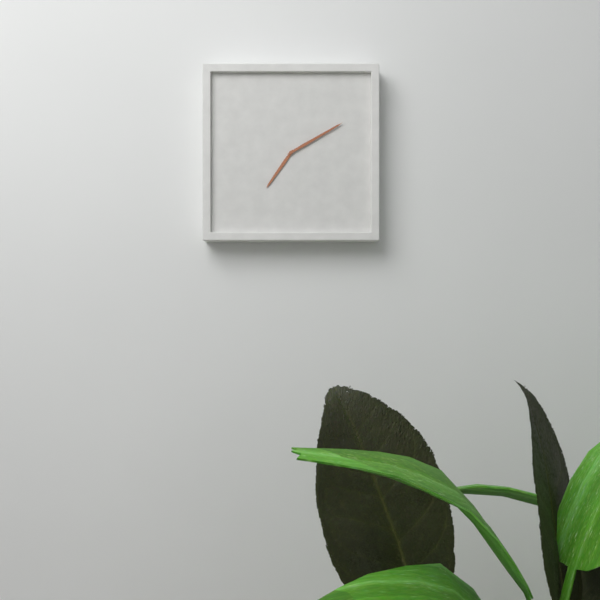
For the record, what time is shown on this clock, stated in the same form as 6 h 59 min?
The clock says 7 h 10 min
